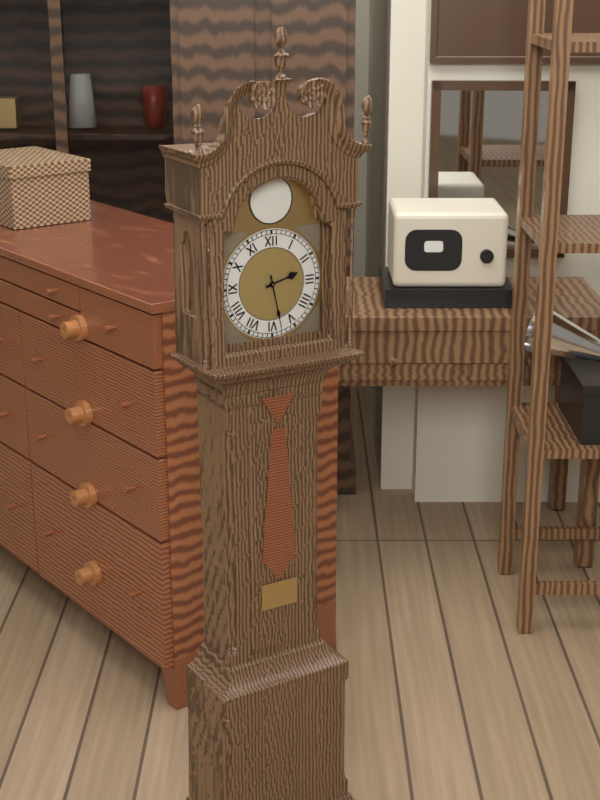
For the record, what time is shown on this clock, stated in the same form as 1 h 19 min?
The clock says 2 h 28 min
